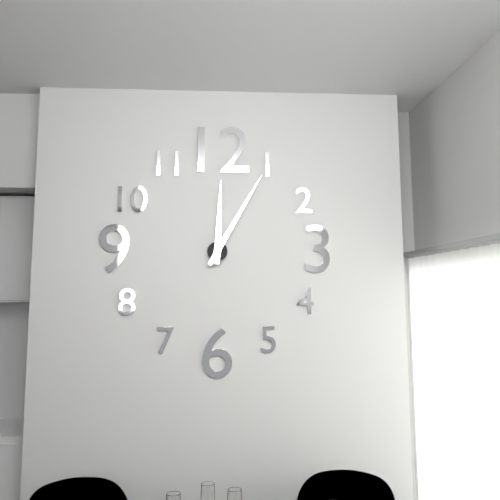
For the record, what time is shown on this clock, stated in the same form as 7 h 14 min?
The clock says 12 h 05 min
